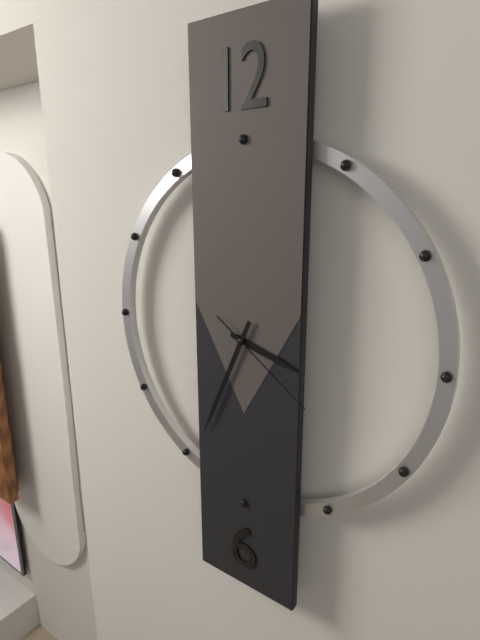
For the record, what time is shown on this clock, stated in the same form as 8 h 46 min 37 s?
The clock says 3 h 34 min 21 s
